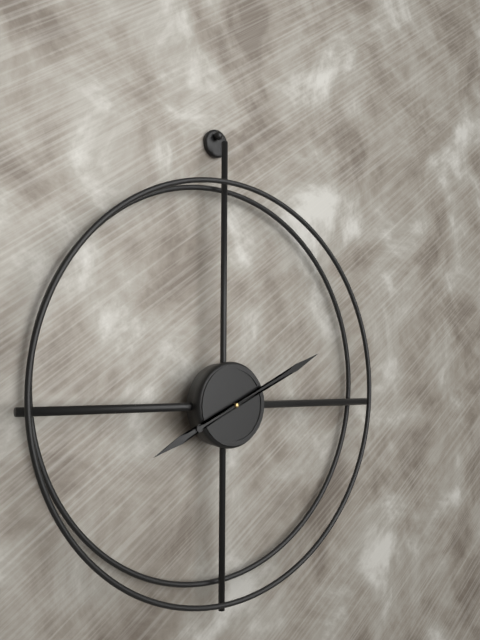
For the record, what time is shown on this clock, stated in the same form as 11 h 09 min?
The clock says 8 h 11 min
